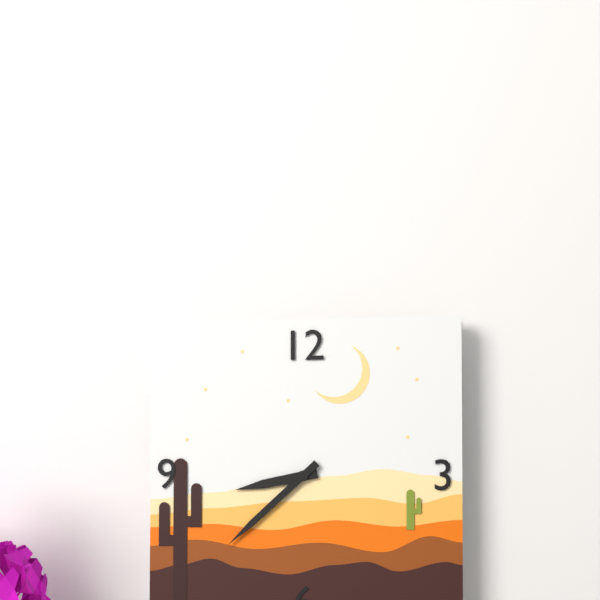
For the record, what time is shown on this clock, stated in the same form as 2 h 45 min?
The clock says 8 h 38 min
